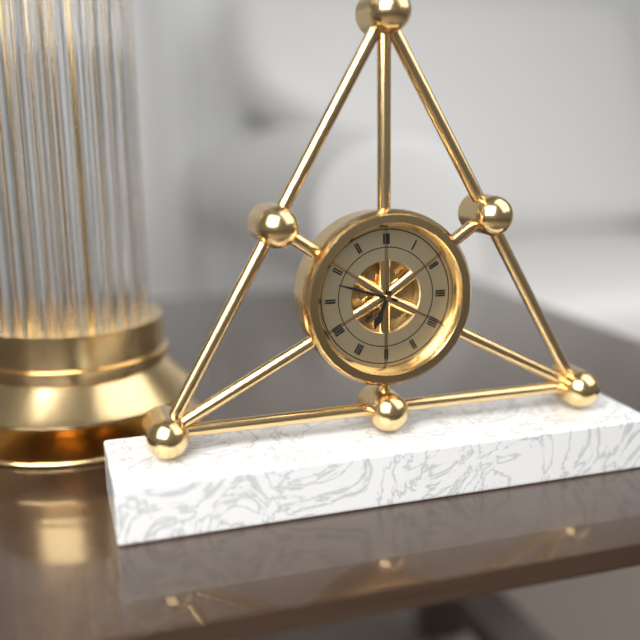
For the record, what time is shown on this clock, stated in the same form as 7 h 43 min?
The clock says 6 h 48 min
